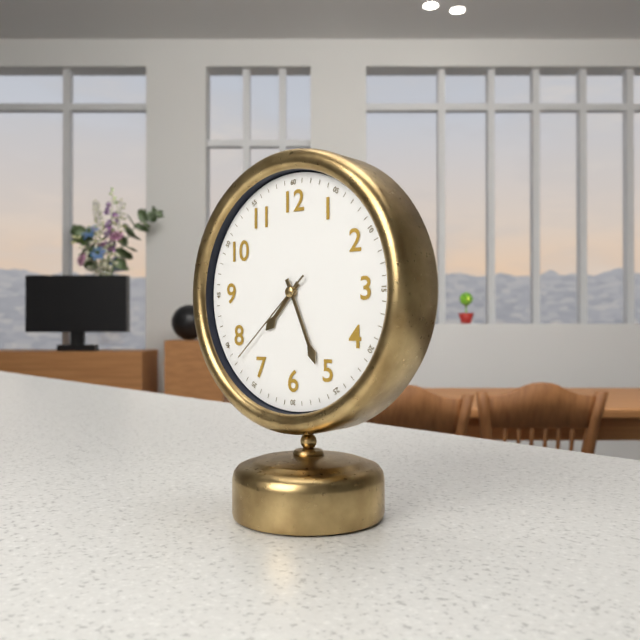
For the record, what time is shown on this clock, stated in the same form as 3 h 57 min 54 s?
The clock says 7 h 26 min 38 s
